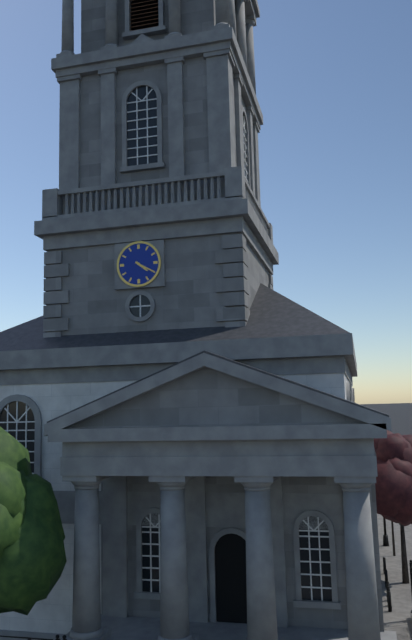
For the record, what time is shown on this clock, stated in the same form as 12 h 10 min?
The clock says 4 h 20 min
